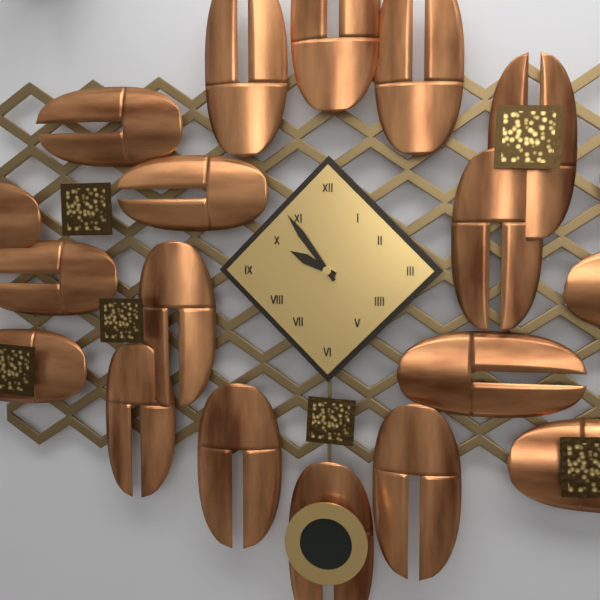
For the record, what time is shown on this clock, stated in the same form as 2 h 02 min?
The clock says 9 h 54 min
